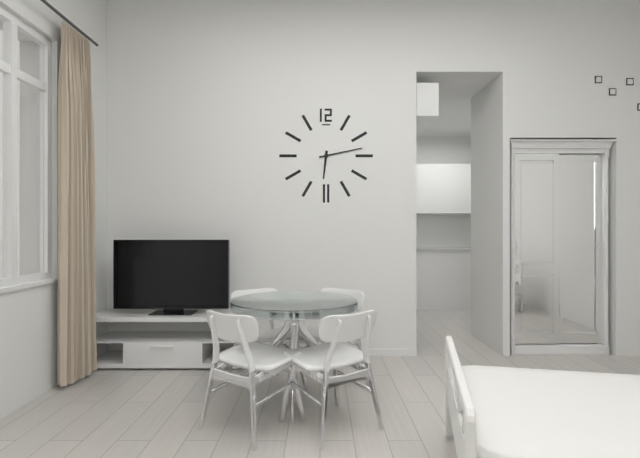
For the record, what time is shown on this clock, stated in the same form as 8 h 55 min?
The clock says 6 h 13 min
